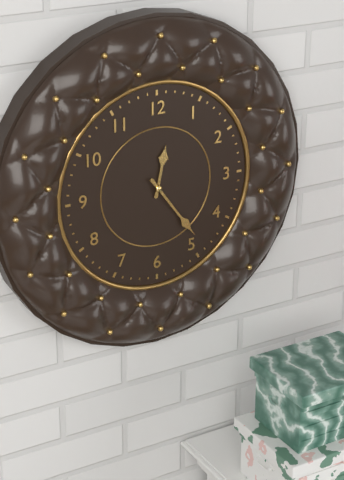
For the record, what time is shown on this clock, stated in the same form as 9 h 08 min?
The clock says 12 h 24 min
